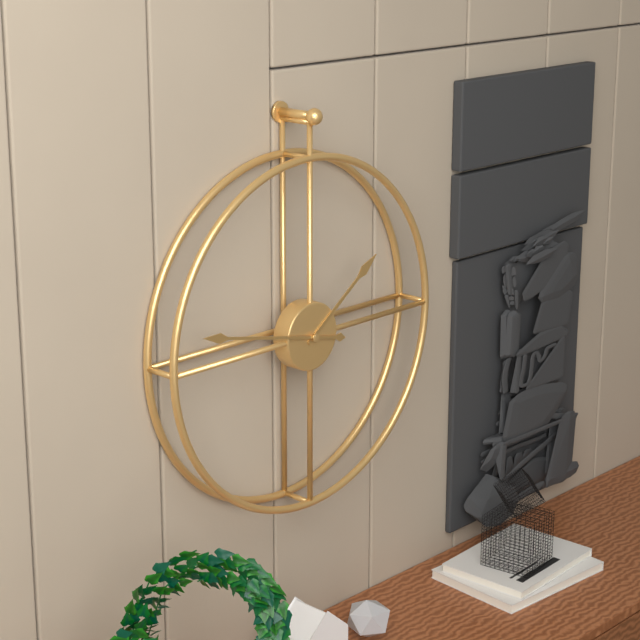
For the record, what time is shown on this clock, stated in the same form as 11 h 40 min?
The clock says 1 h 47 min
